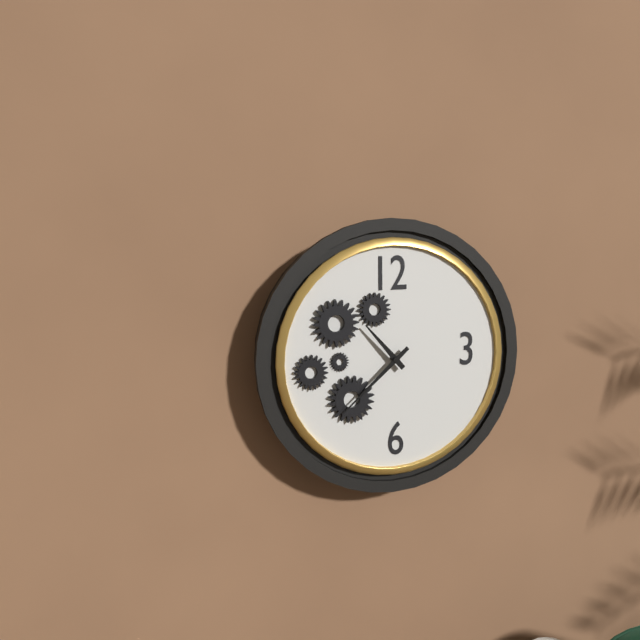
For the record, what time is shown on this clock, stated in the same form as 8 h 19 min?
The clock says 10 h 38 min
